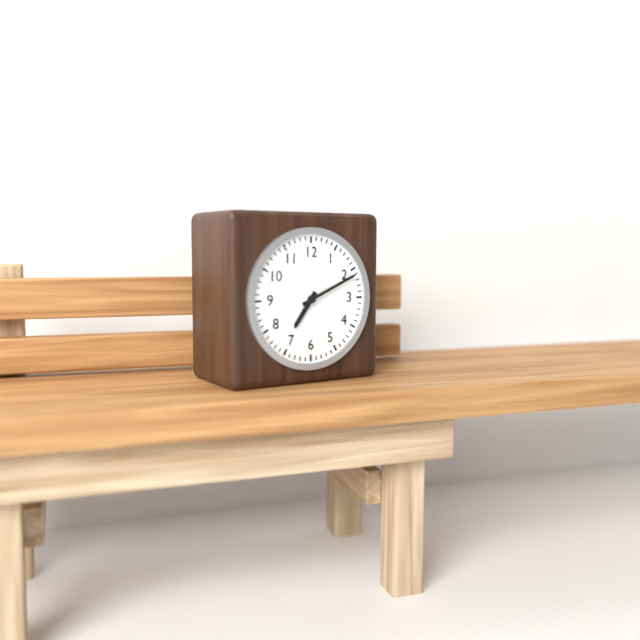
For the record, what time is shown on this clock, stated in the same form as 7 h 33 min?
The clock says 7 h 11 min
